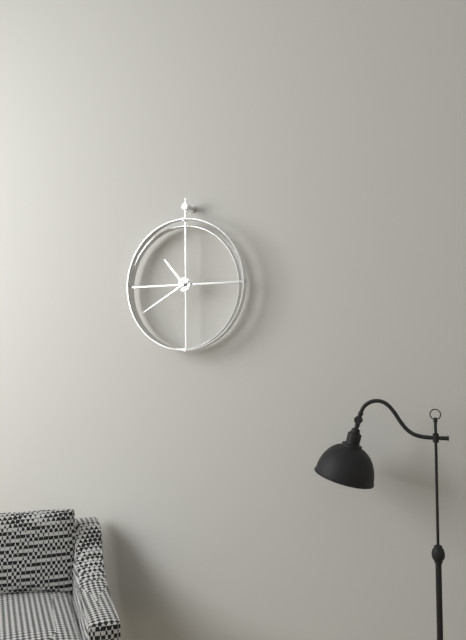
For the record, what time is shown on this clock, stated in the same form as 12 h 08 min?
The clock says 10 h 40 min
